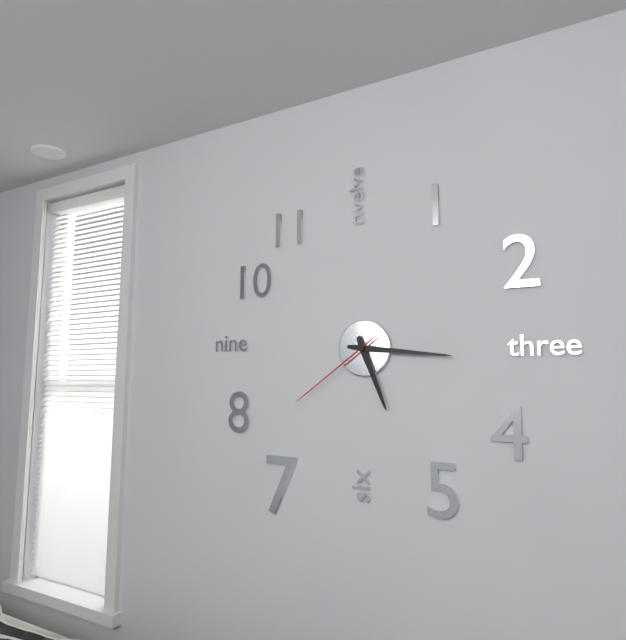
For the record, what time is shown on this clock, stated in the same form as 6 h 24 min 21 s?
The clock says 5 h 16 min 39 s
